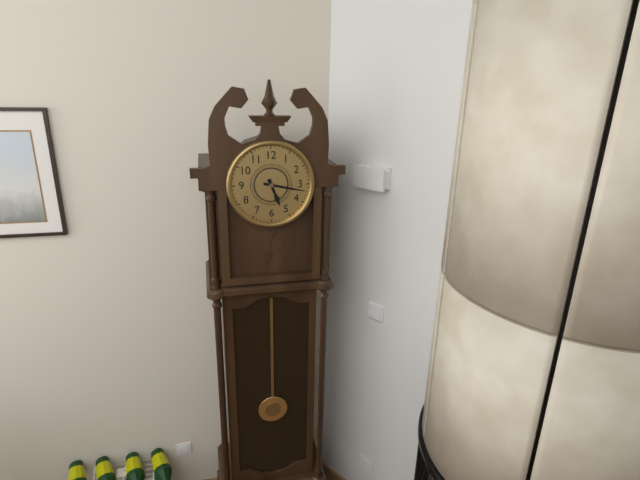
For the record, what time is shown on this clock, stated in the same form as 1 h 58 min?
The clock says 5 h 17 min
